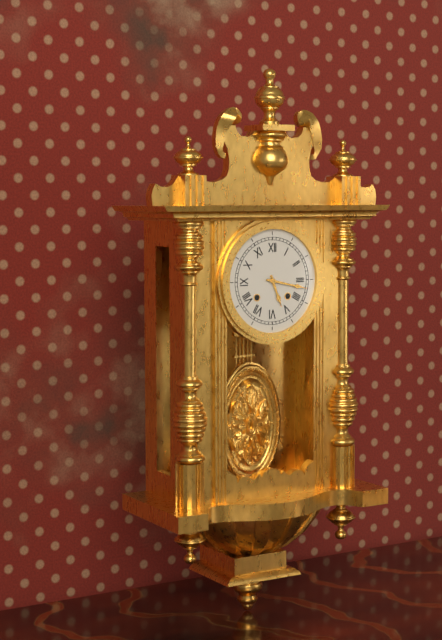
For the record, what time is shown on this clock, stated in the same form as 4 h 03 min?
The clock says 5 h 17 min
